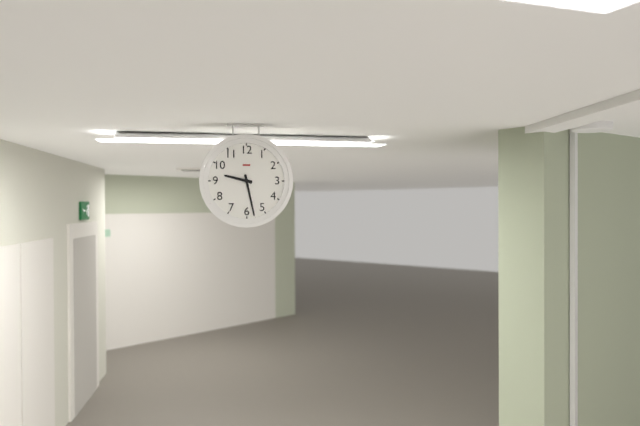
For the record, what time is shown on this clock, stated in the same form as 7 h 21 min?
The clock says 9 h 28 min
